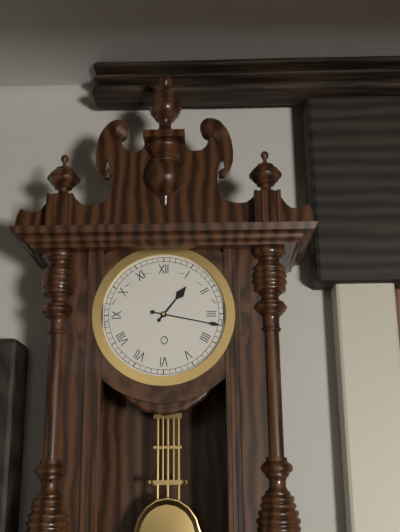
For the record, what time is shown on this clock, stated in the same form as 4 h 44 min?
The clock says 1 h 17 min
